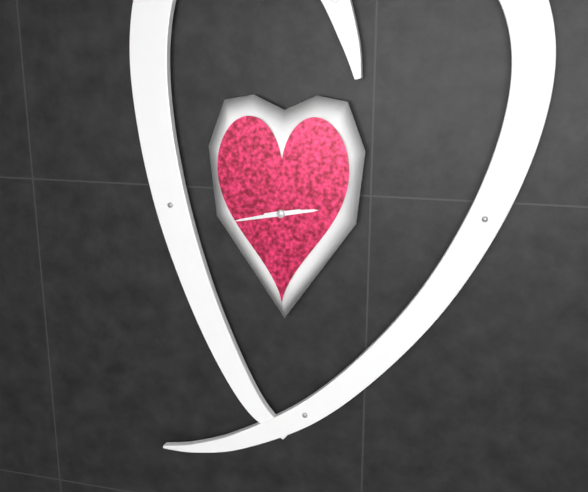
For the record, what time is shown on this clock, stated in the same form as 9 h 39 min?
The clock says 2 h 43 min
